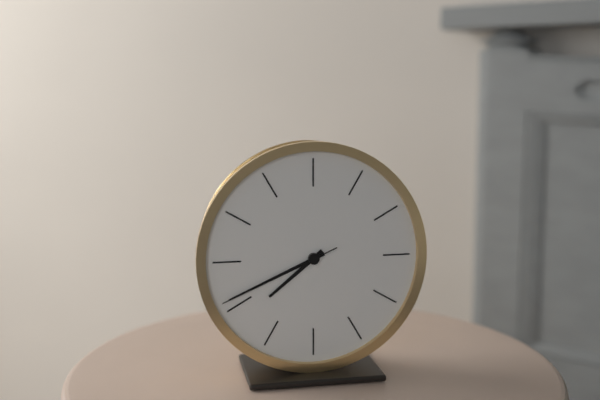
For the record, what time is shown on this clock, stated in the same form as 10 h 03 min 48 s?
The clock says 7 h 41 min 41 s
